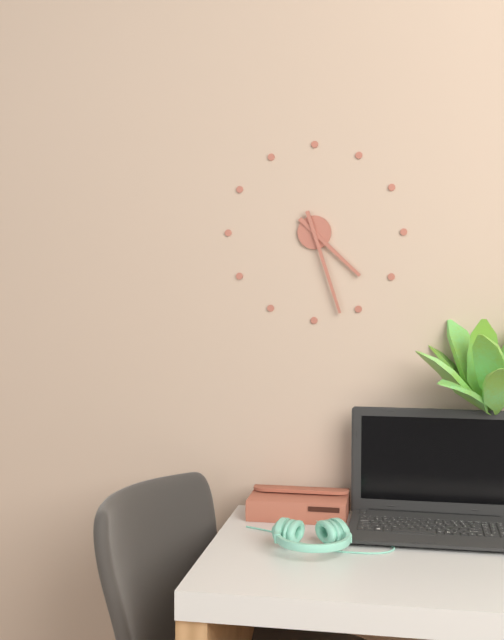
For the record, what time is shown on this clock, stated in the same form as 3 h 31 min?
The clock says 4 h 27 min
